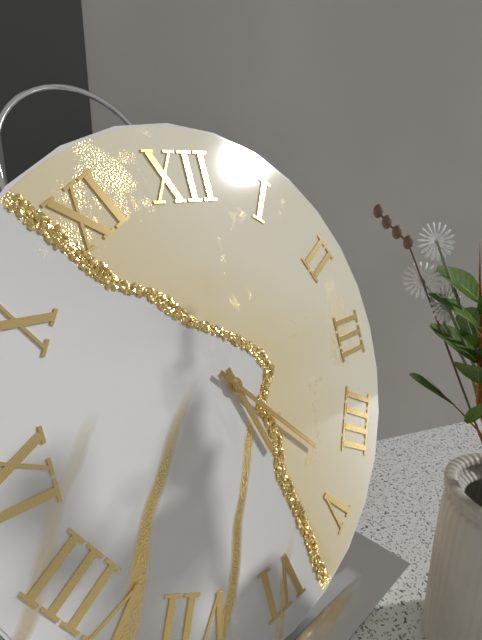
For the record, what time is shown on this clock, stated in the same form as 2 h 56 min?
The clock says 5 h 23 min
